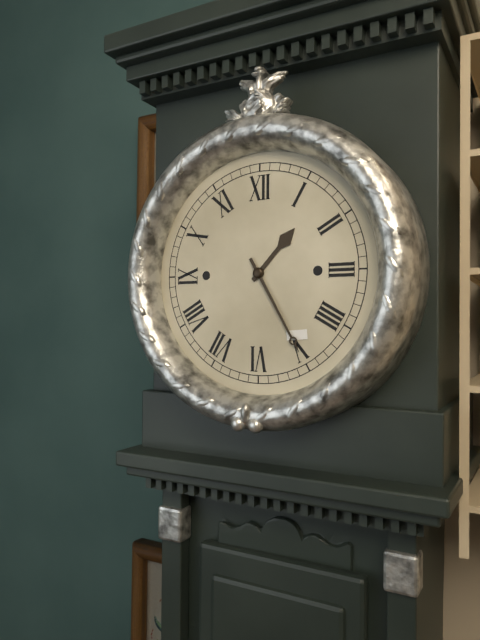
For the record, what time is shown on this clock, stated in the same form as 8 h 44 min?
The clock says 1 h 25 min
